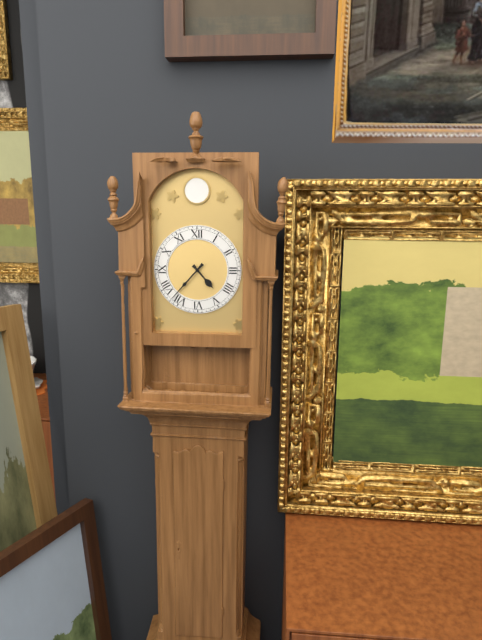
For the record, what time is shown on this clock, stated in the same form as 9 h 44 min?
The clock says 4 h 37 min
